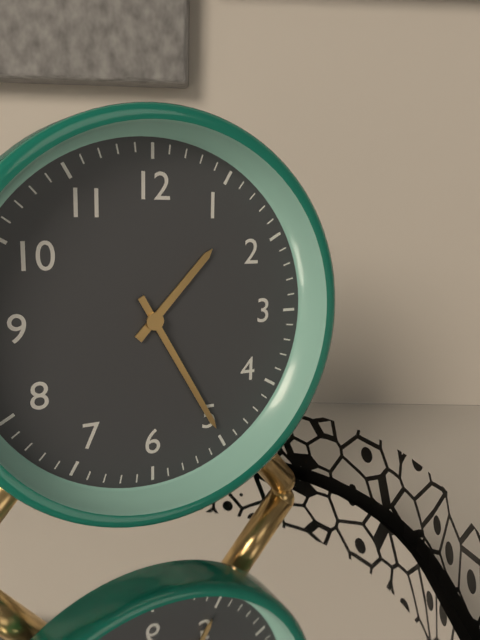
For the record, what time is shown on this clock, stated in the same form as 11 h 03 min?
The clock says 1 h 25 min
